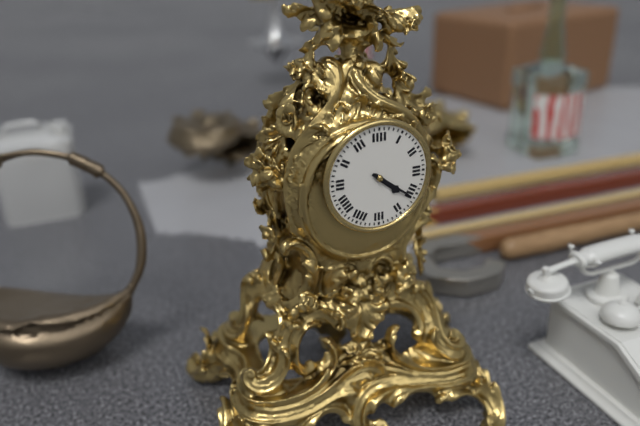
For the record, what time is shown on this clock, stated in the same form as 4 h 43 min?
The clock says 4 h 21 min
